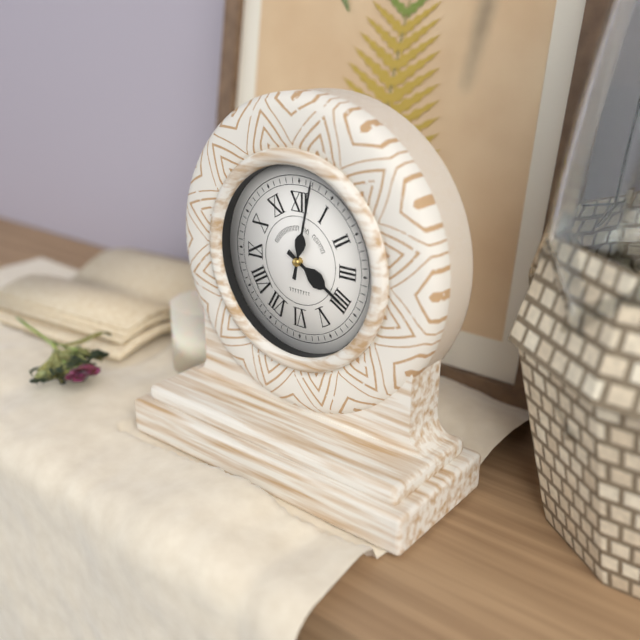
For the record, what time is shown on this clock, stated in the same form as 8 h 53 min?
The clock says 4 h 02 min
